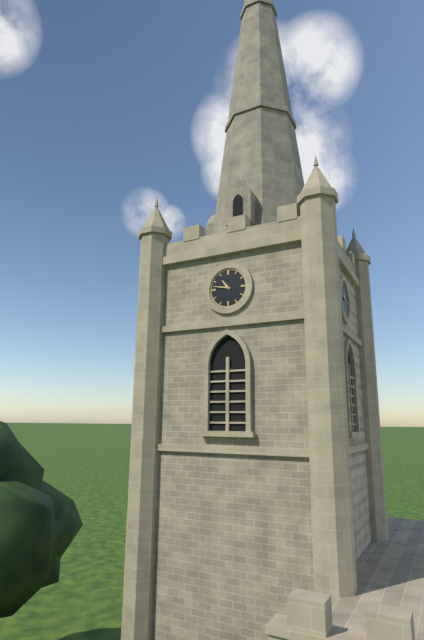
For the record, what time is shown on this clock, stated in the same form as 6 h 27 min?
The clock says 10 h 47 min
